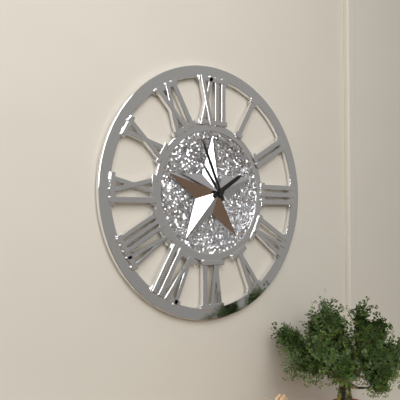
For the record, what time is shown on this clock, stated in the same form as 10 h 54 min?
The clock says 1 h 56 min
